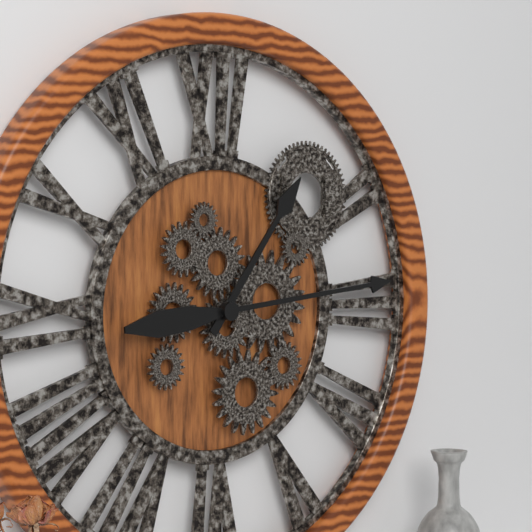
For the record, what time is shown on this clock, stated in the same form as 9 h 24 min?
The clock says 1 h 14 min
